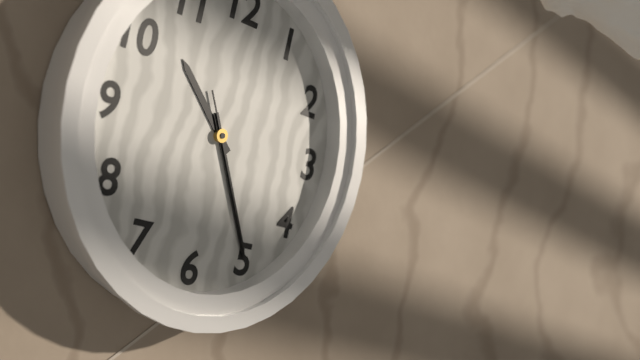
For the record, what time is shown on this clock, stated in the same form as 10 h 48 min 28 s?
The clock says 10 h 25 min 25 s
